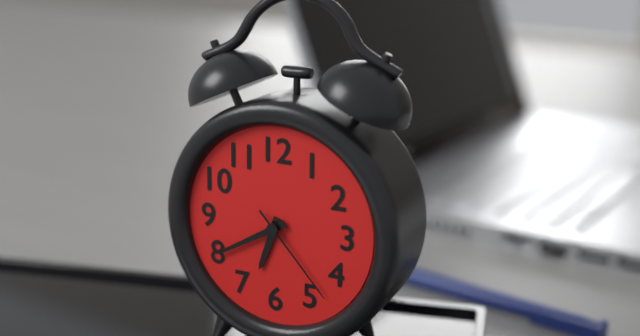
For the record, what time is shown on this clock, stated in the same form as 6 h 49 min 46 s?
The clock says 6 h 40 min 23 s
